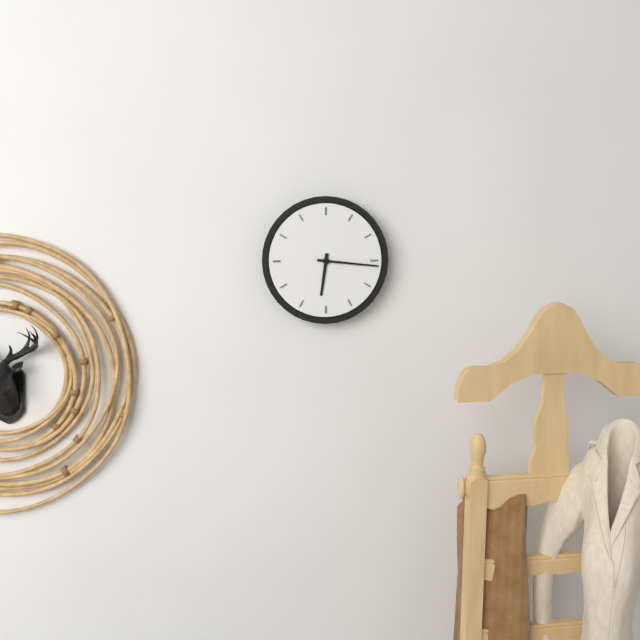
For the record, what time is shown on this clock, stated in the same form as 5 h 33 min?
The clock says 6 h 16 min
